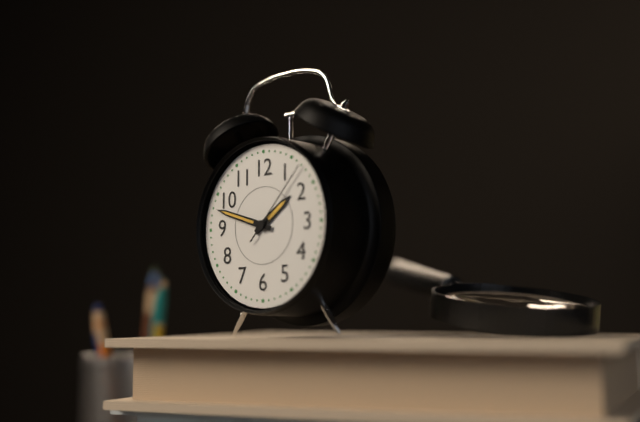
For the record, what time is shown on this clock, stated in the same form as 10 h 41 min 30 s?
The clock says 1 h 48 min 07 s
